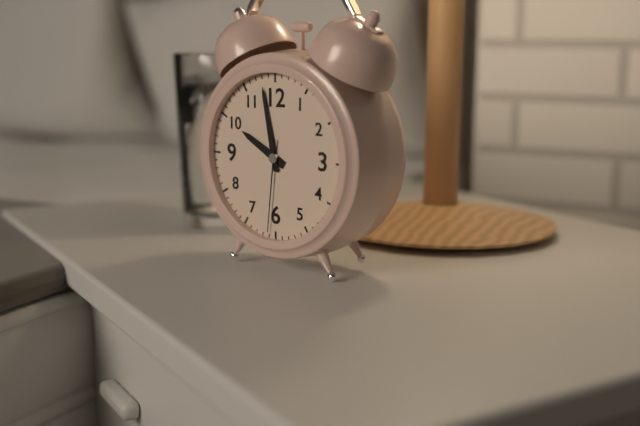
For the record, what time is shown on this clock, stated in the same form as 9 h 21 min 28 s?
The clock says 9 h 58 min 31 s
